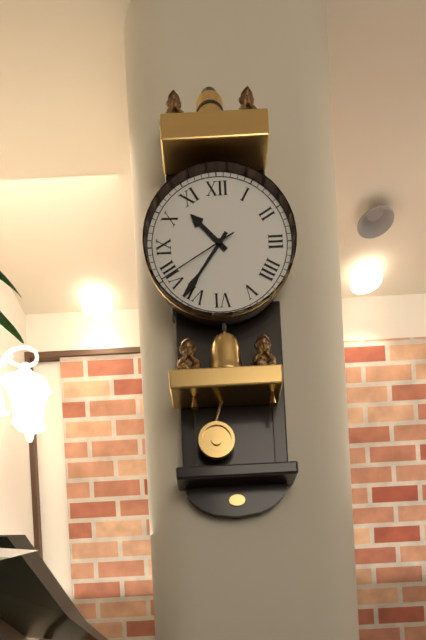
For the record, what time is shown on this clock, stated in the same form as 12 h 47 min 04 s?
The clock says 10 h 36 min 40 s
